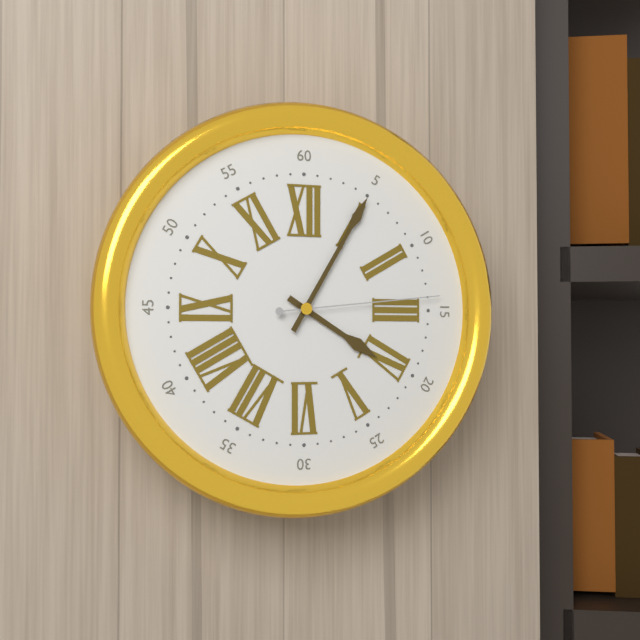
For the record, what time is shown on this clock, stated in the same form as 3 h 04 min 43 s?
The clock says 4 h 05 min 14 s
